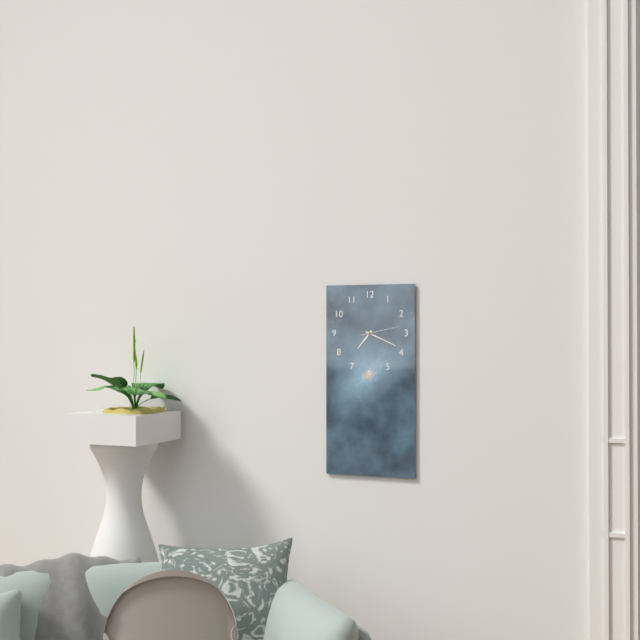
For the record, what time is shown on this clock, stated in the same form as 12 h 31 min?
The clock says 7 h 19 min
